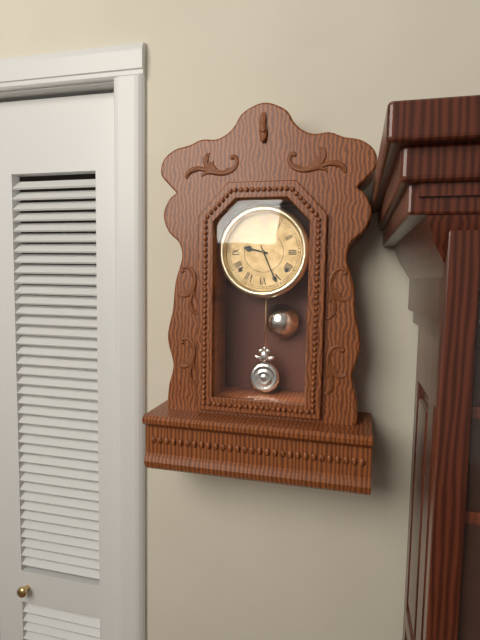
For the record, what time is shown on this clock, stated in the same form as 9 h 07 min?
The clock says 9 h 26 min
